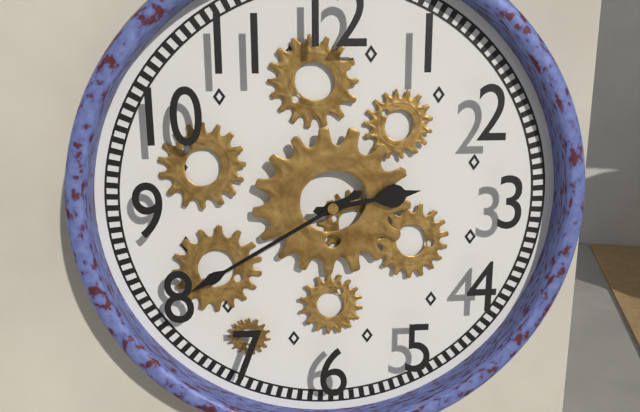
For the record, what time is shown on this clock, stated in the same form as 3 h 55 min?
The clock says 2 h 40 min
